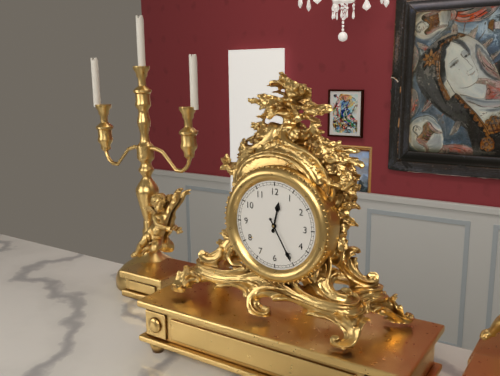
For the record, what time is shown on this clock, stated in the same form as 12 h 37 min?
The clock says 12 h 25 min
